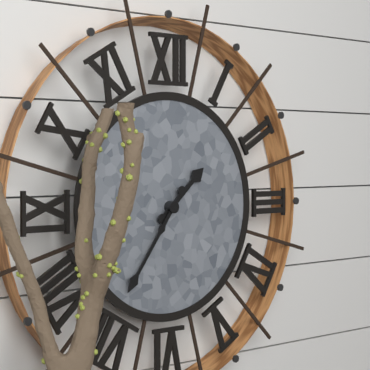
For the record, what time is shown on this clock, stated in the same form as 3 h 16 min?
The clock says 1 h 36 min
